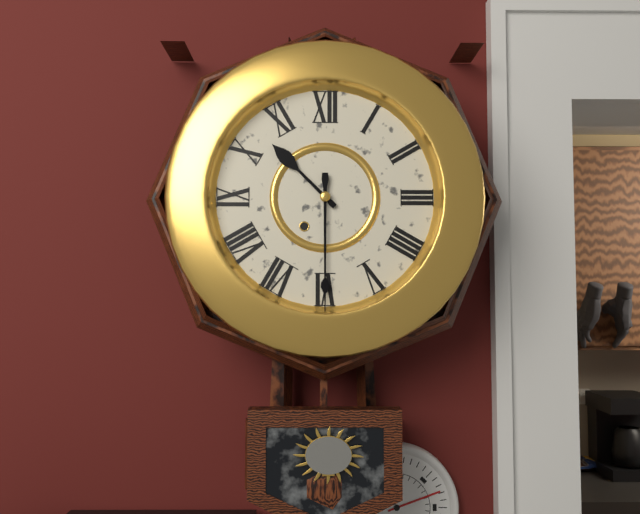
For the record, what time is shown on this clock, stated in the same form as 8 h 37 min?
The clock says 10 h 30 min
